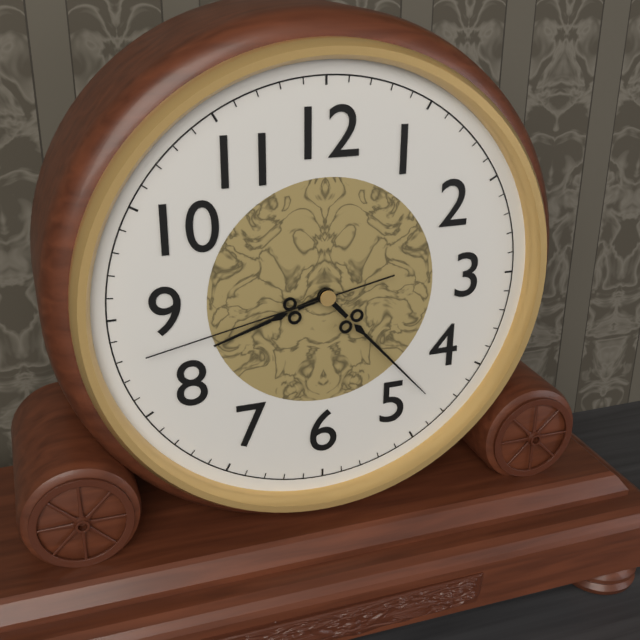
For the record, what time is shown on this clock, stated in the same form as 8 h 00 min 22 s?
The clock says 8 h 23 min 43 s
